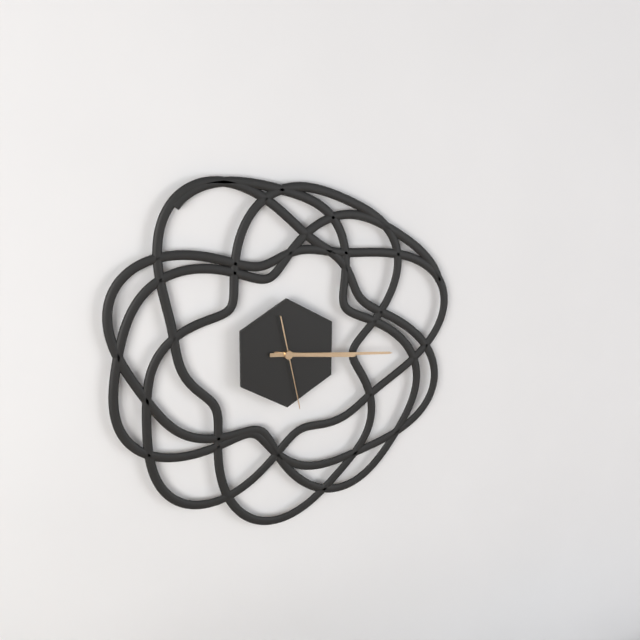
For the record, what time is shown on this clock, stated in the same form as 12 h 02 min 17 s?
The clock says 3 h 16 min 28 s
